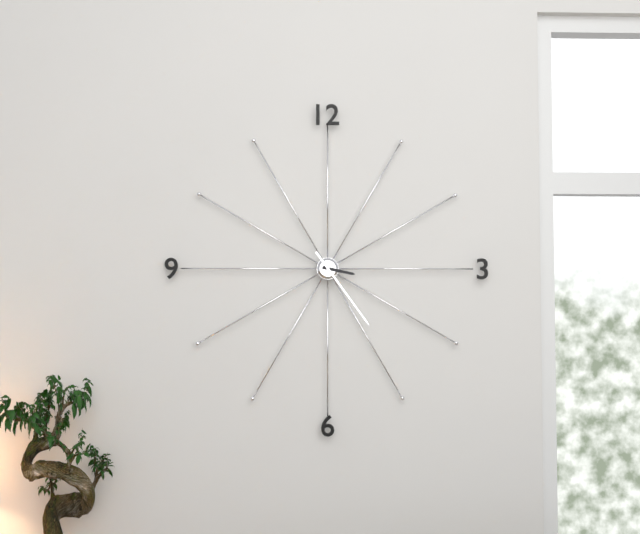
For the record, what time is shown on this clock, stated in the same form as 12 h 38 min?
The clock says 3 h 24 min
